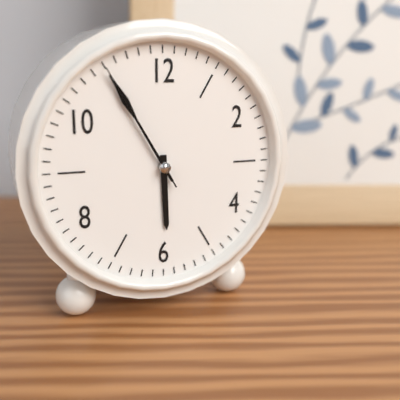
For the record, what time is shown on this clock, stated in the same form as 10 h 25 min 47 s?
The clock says 5 h 55 min 55 s
